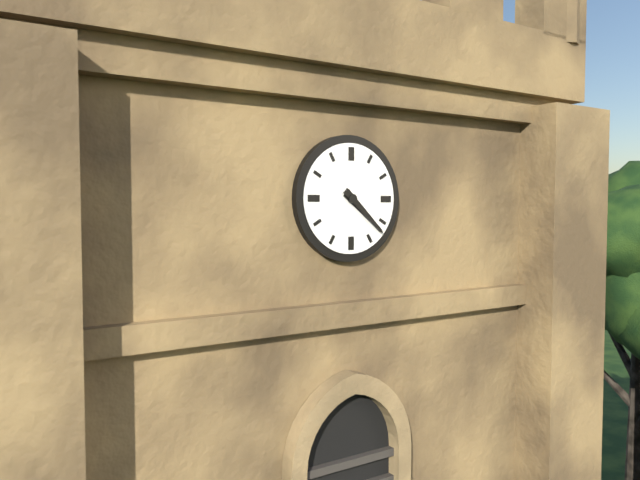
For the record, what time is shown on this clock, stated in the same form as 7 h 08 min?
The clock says 4 h 22 min
